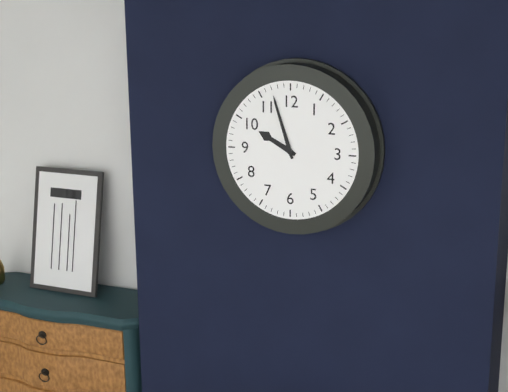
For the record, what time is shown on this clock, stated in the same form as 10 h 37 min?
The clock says 9 h 57 min
